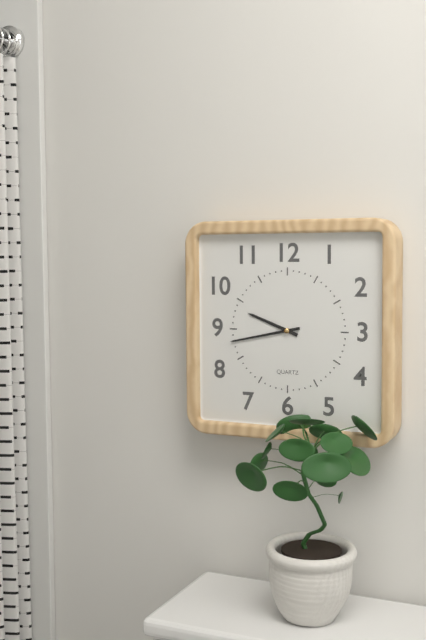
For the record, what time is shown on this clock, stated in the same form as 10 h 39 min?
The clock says 9 h 43 min
